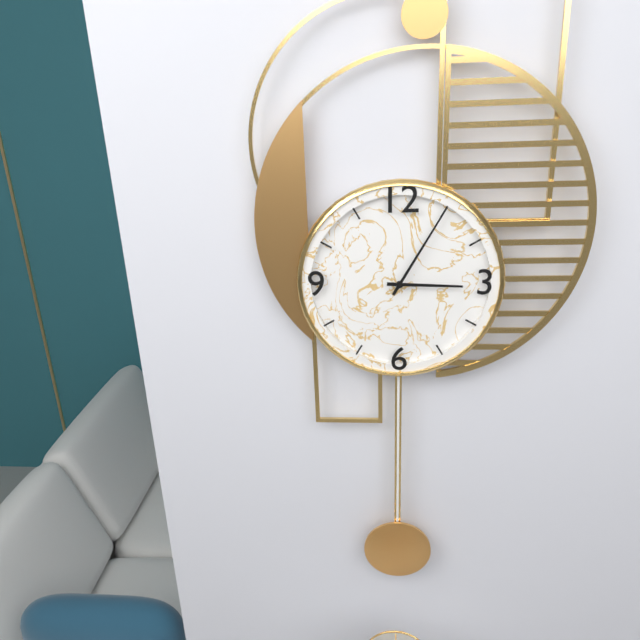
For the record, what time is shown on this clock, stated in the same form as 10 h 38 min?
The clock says 3 h 05 min
